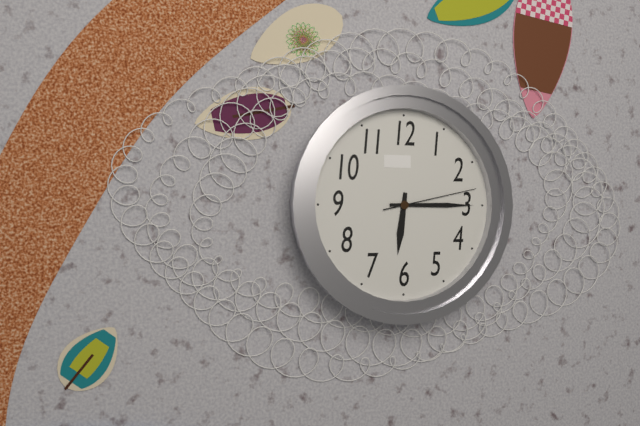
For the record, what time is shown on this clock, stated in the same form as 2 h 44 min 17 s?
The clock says 6 h 15 min 13 s
